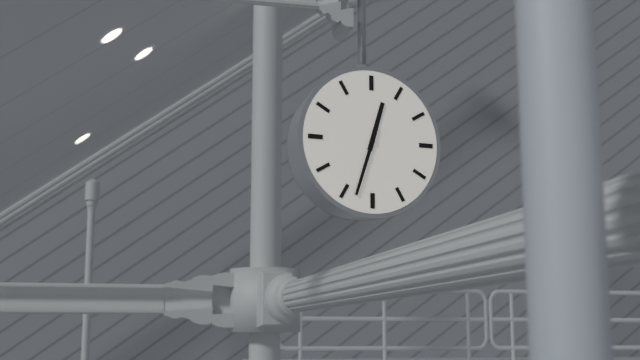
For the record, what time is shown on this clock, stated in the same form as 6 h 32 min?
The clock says 12 h 33 min
